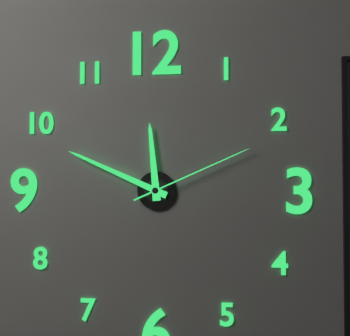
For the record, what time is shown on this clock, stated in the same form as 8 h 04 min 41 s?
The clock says 11 h 49 min 11 s
